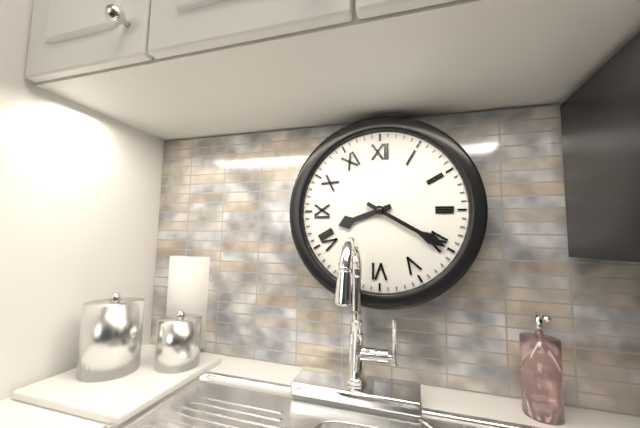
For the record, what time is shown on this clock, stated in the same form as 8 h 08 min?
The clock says 8 h 20 min
